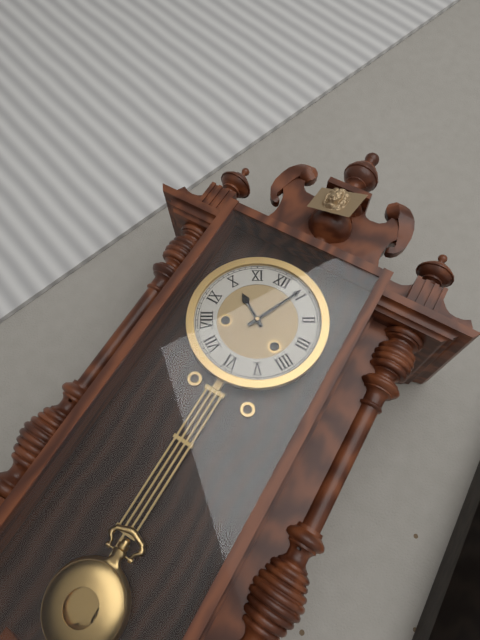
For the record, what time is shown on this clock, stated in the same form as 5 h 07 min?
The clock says 10 h 04 min
